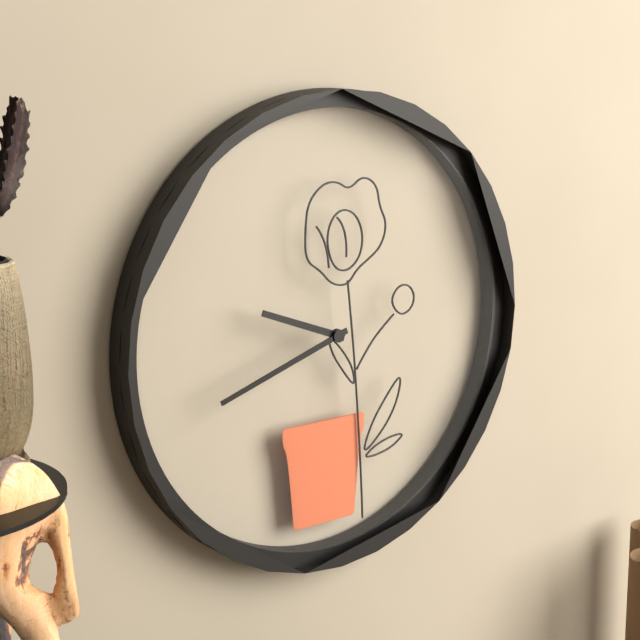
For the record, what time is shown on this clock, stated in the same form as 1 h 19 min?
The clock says 9 h 42 min
